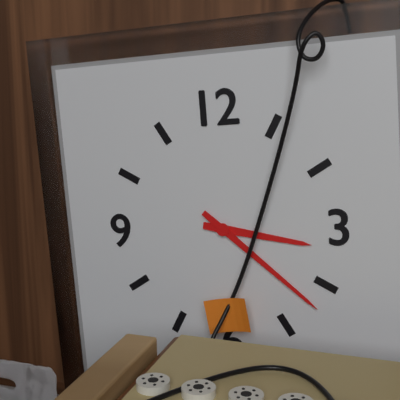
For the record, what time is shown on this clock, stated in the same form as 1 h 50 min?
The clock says 3 h 22 min
